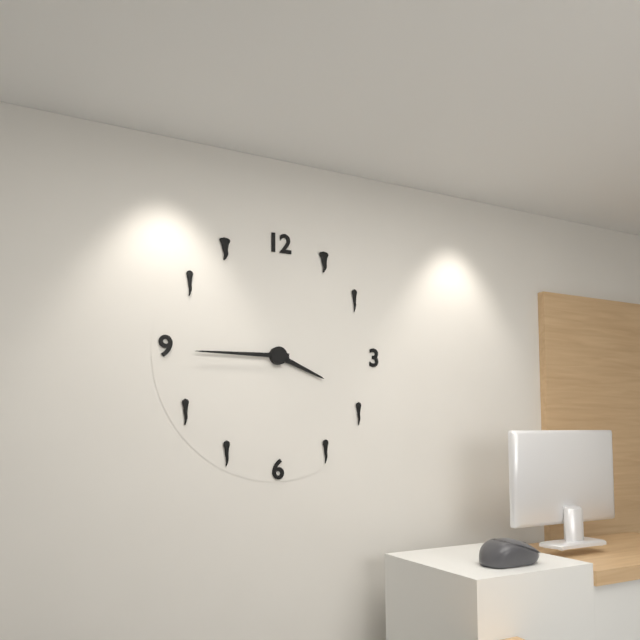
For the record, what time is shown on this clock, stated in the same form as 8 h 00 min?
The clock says 3 h 45 min
